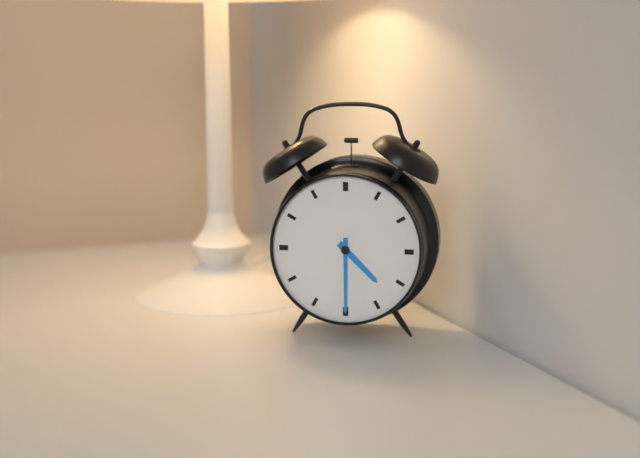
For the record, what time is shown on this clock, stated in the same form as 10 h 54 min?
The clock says 4 h 30 min
